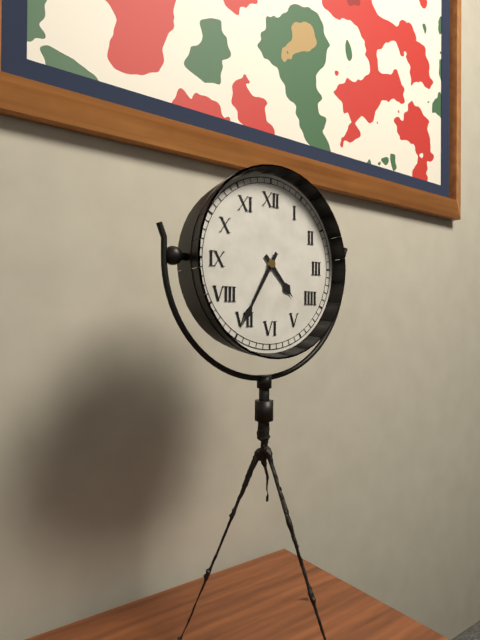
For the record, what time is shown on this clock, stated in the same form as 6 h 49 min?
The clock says 4 h 35 min
